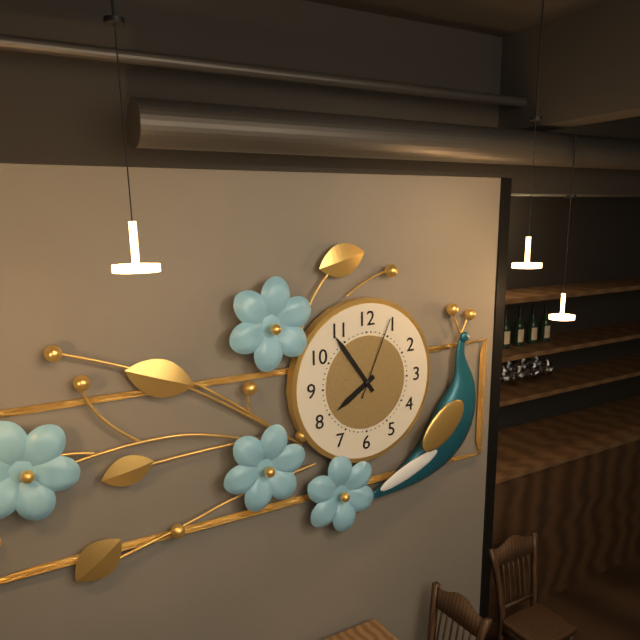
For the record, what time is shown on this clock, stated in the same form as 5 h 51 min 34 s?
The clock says 7 h 54 min 04 s
